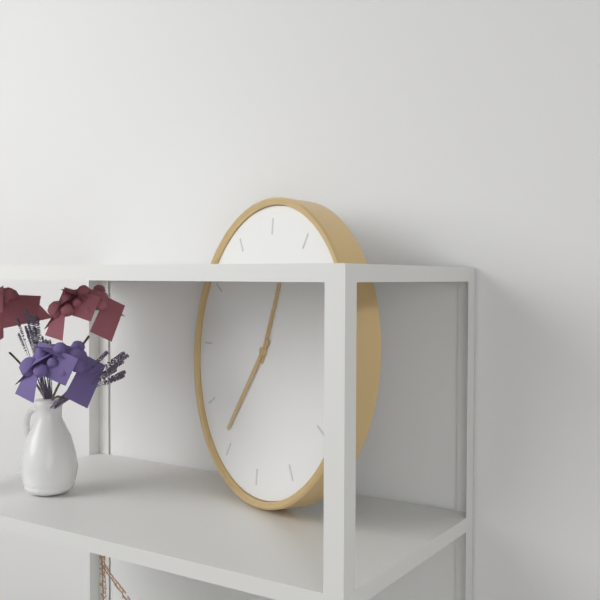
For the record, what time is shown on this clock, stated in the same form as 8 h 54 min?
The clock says 12 h 36 min
